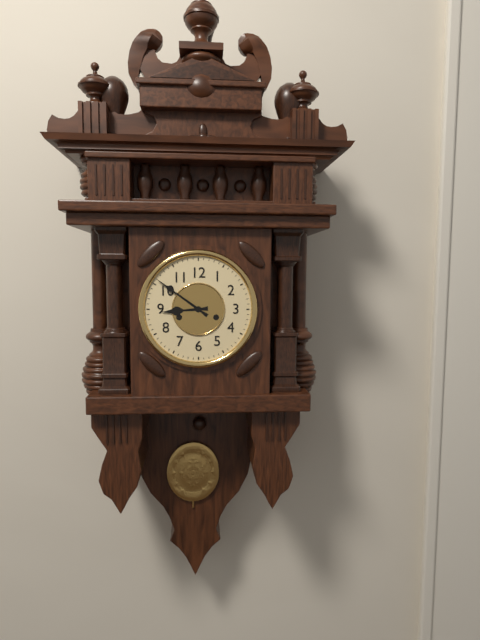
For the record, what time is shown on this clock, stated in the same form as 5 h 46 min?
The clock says 8 h 51 min
